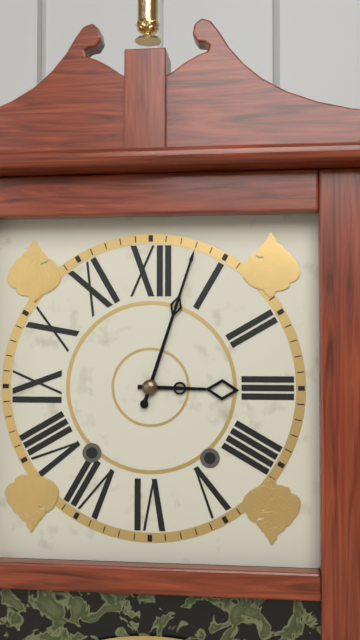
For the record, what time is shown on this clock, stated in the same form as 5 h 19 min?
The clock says 3 h 03 min
